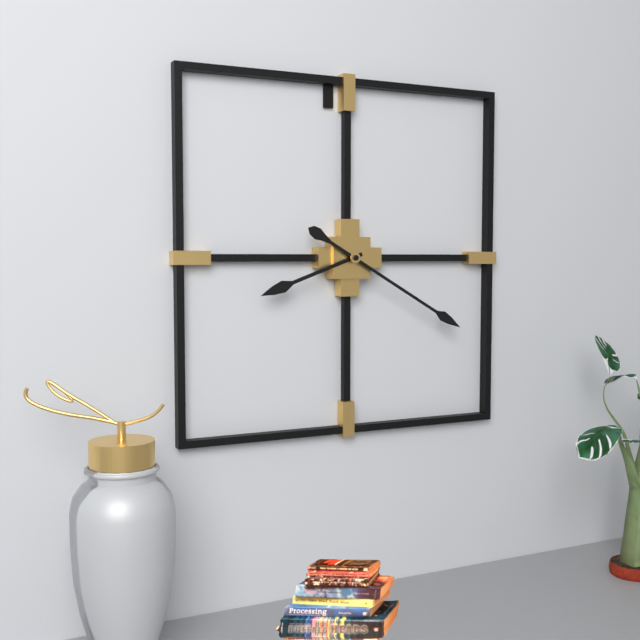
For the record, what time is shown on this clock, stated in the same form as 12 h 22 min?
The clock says 8 h 20 min
